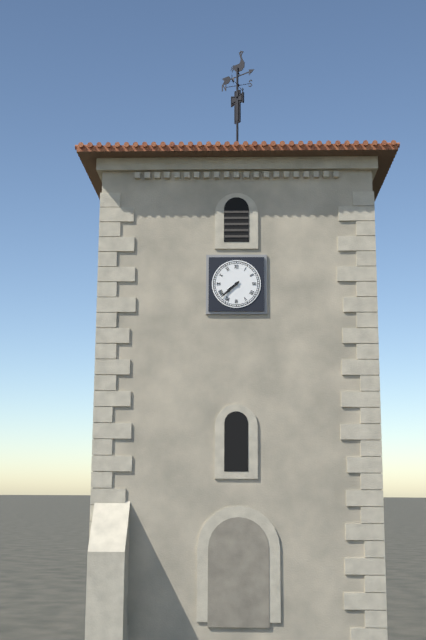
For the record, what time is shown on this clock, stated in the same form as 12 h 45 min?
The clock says 7 h 38 min
